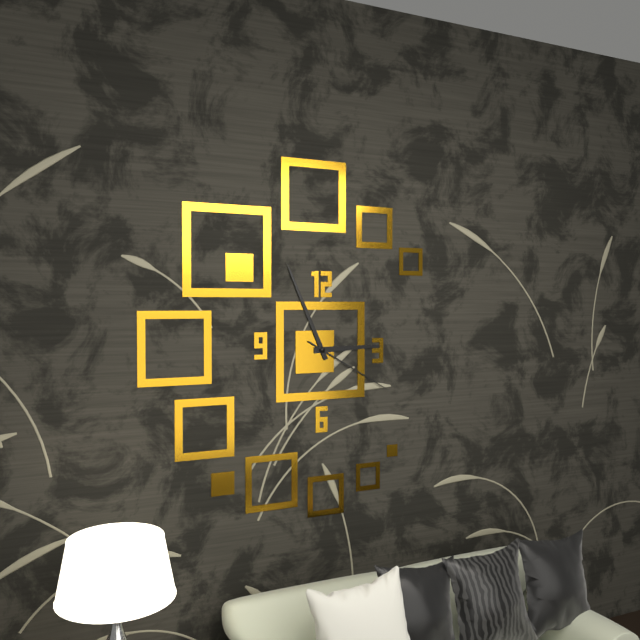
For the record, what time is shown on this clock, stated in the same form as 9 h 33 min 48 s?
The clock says 2 h 56 min 20 s
